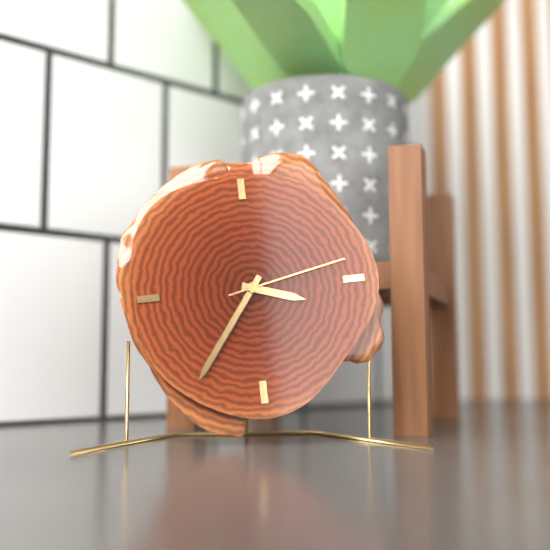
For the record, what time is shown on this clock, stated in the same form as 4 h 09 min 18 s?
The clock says 3 h 36 min 13 s
